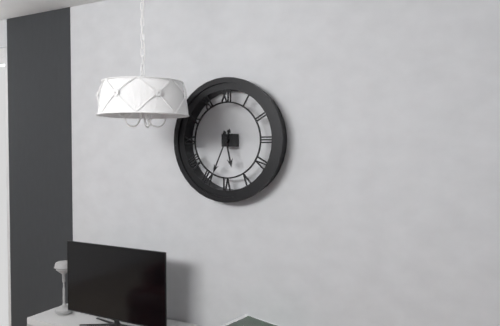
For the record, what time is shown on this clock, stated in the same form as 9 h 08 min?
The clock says 5 h 34 min
